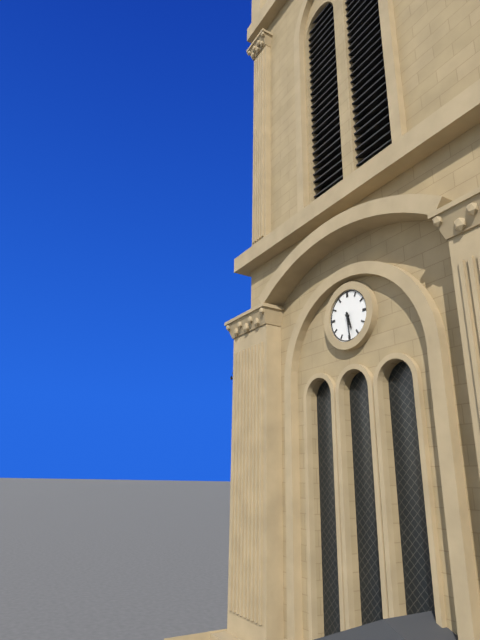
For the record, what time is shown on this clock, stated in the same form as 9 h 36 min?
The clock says 5 h 29 min
